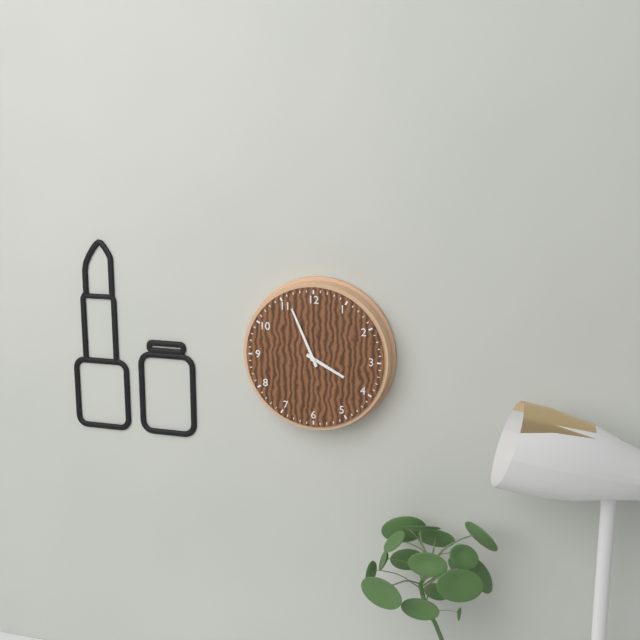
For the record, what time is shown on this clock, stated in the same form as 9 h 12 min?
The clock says 3 h 56 min
